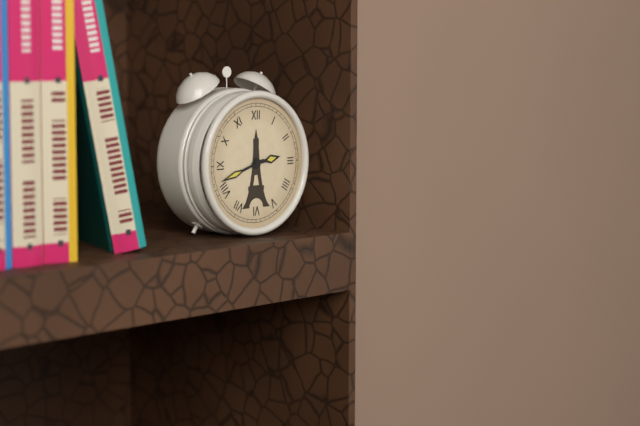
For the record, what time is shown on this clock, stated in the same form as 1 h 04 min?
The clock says 2 h 42 min
